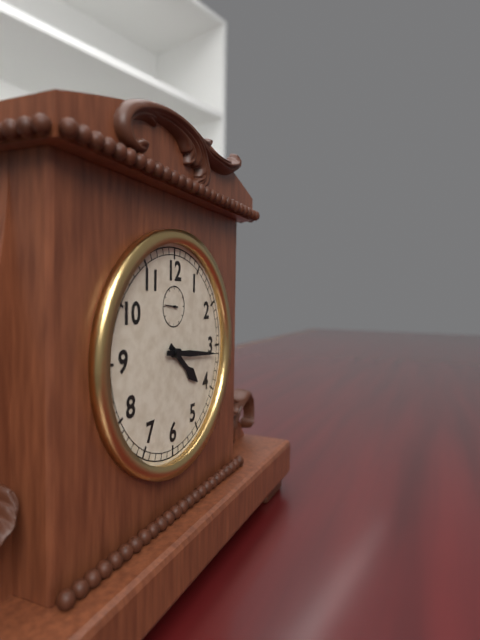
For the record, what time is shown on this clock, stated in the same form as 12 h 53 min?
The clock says 4 h 16 min
